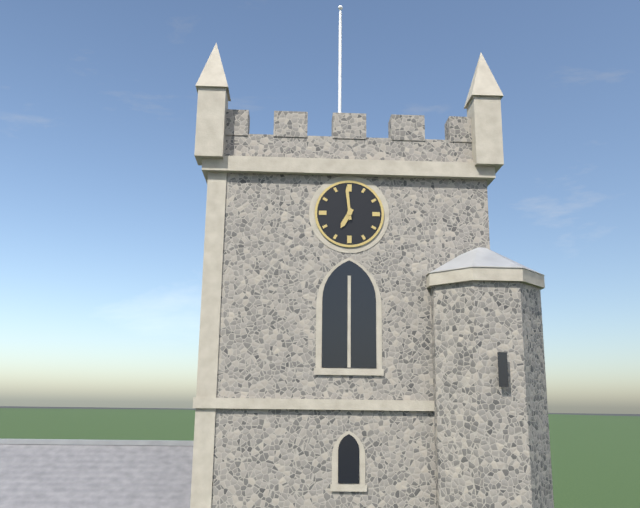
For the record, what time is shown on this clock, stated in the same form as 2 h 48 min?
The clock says 6 h 59 min
